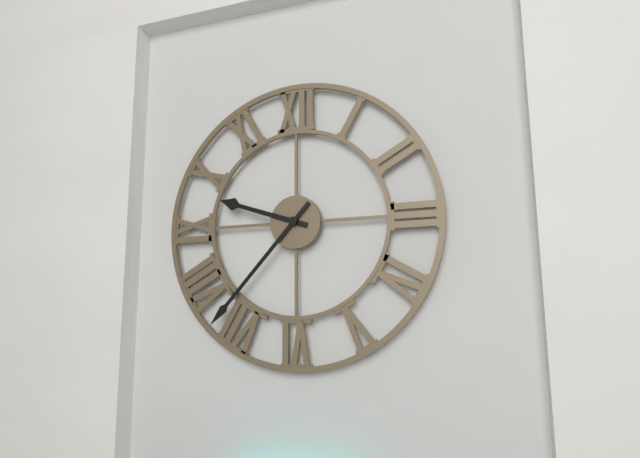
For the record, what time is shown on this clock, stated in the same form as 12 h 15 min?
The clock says 9 h 37 min
